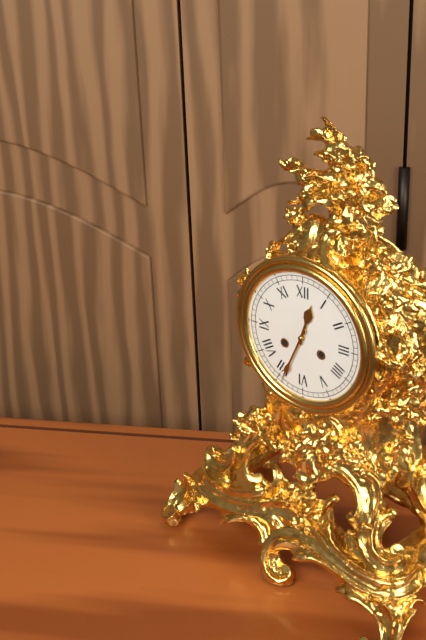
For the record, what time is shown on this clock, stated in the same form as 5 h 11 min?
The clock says 12 h 34 min
